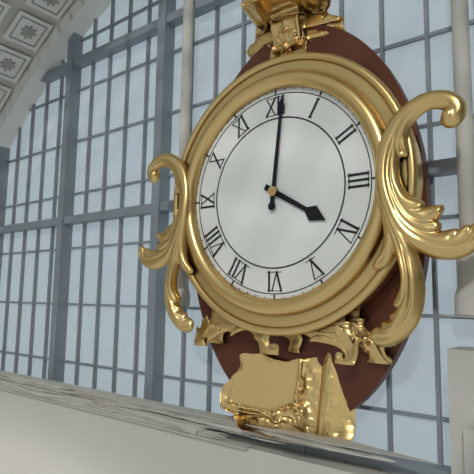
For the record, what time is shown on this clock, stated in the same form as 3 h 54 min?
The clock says 4 h 01 min
